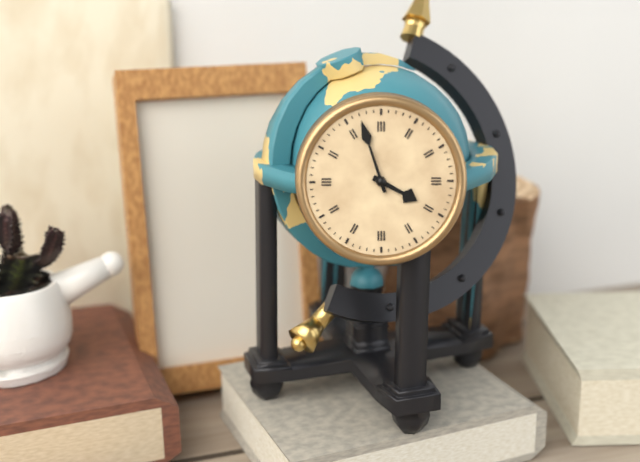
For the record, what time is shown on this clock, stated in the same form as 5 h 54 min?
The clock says 3 h 57 min
